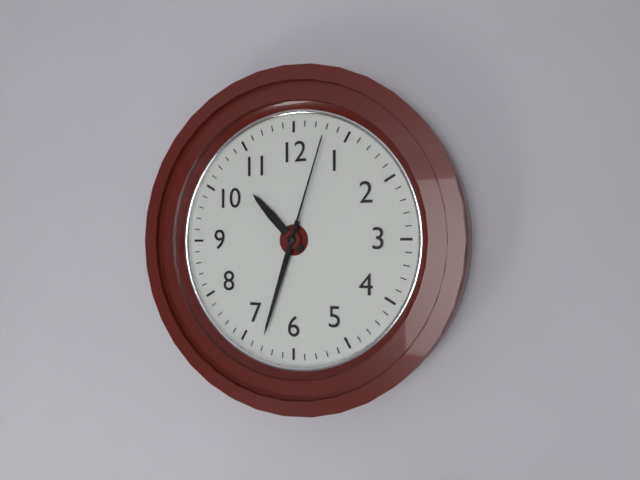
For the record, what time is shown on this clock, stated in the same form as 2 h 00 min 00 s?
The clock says 10 h 33 min 03 s
